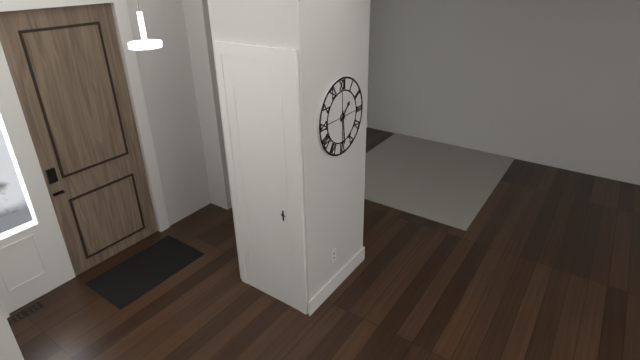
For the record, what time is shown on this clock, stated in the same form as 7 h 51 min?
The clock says 1 h 29 min
